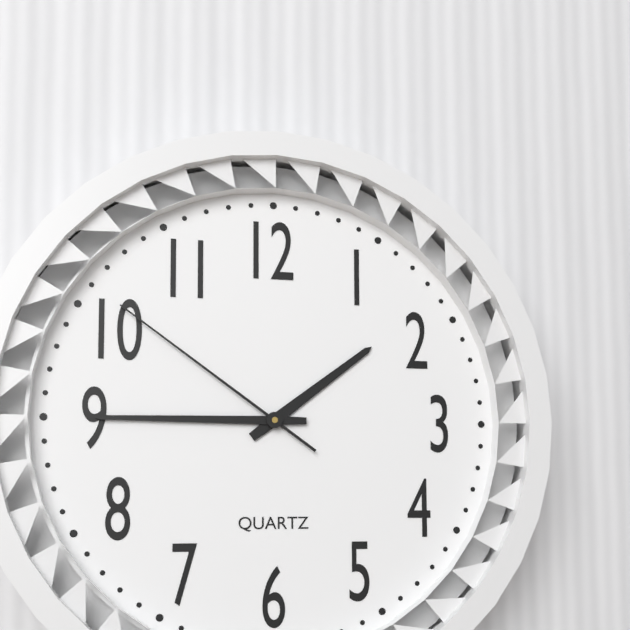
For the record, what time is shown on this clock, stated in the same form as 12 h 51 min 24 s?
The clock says 1 h 45 min 51 s
